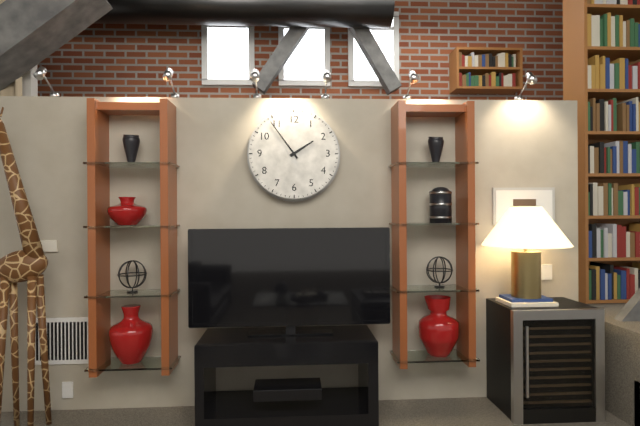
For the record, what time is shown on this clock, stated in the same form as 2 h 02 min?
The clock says 1 h 54 min
